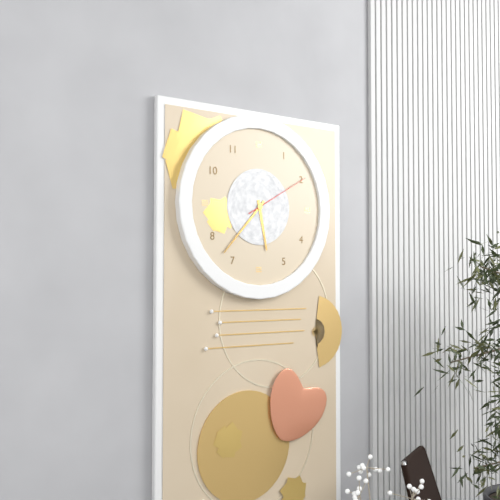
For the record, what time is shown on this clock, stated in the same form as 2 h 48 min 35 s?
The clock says 5 h 37 min 10 s
